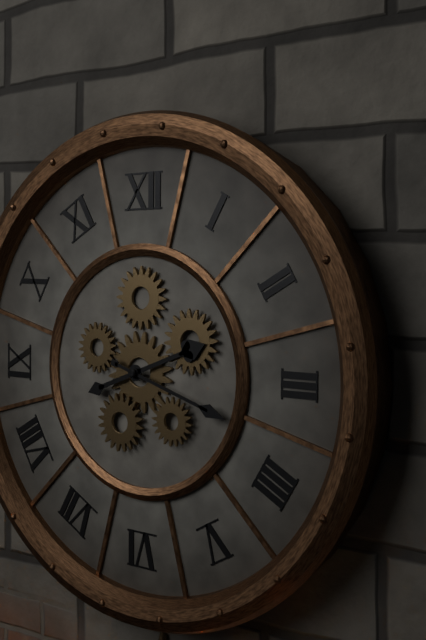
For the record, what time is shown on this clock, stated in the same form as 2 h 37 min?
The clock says 2 h 18 min
